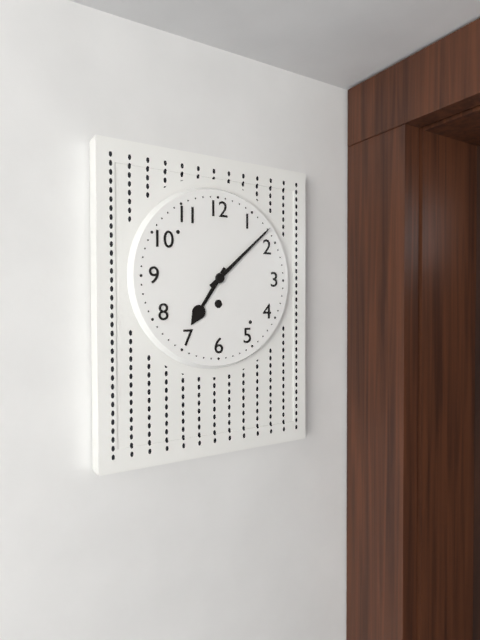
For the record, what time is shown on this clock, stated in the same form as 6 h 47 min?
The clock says 7 h 08 min
